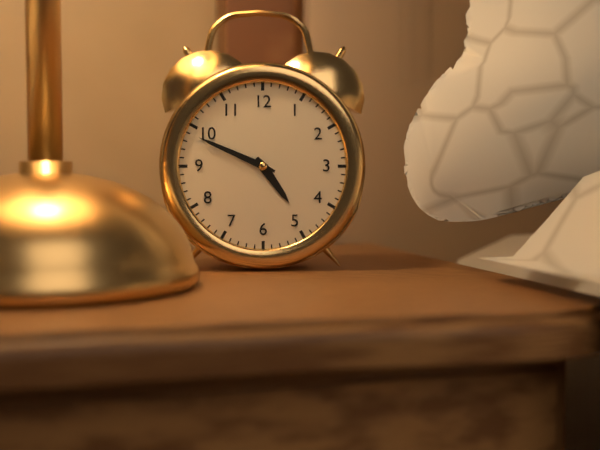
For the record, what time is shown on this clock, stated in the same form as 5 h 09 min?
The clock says 4 h 49 min
